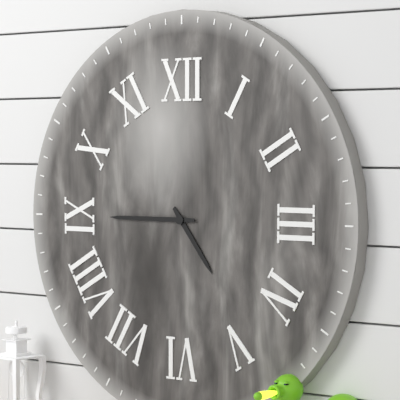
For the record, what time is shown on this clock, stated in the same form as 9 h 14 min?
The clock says 4 h 45 min
